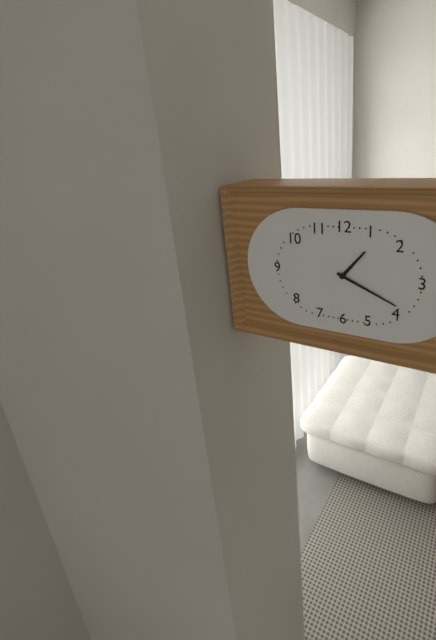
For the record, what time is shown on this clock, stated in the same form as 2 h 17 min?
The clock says 1 h 19 min
